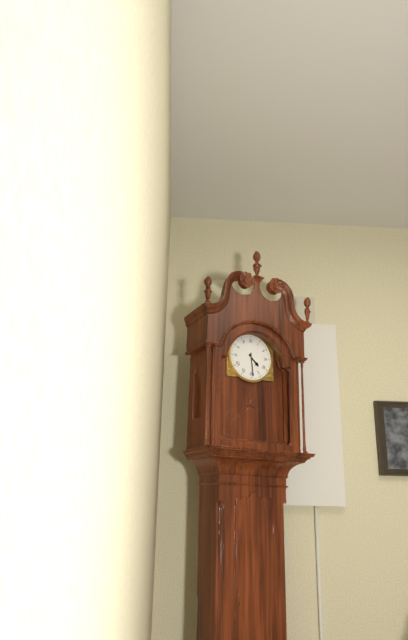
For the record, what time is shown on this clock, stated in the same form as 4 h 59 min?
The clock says 4 h 29 min
